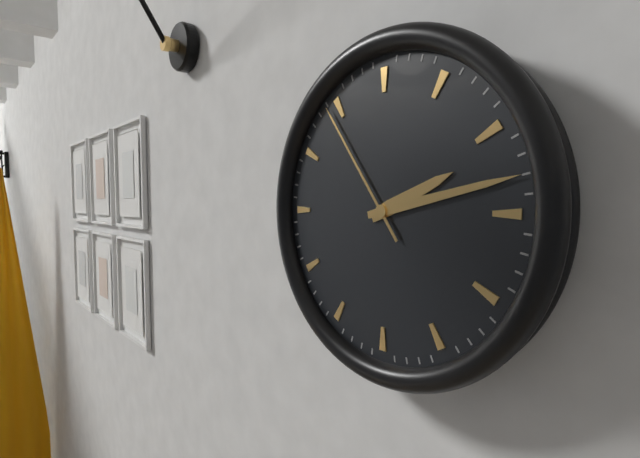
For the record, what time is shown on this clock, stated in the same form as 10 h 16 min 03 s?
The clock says 2 h 13 min 54 s
